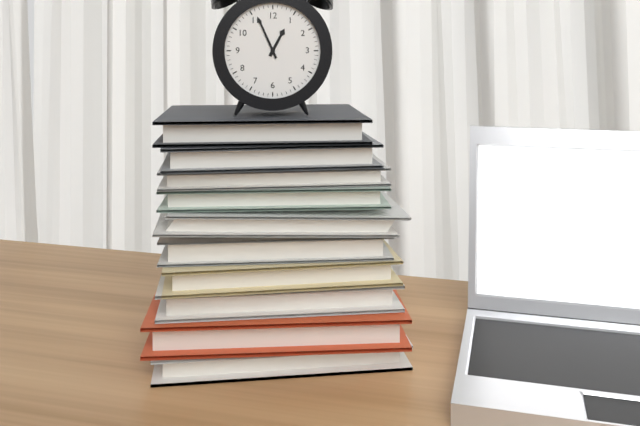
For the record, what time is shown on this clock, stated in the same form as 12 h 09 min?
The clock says 12 h 56 min
